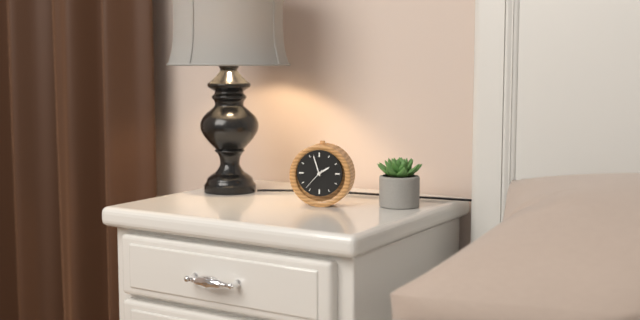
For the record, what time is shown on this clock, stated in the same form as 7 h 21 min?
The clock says 1 h 57 min
